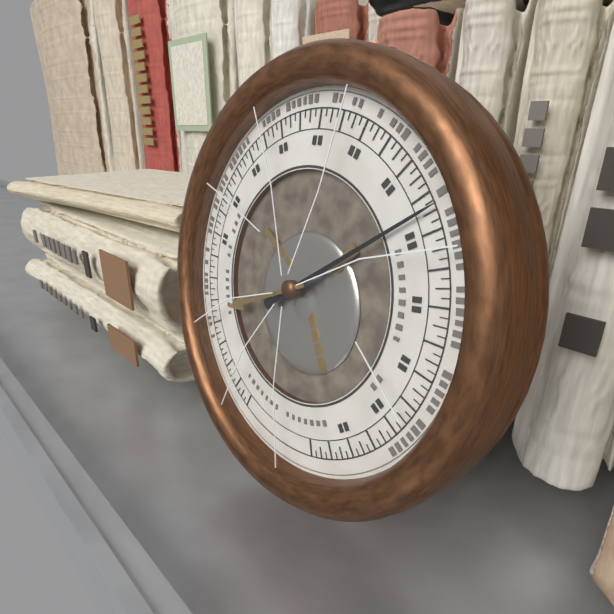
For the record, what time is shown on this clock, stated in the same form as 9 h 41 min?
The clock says 8 h 09 min
